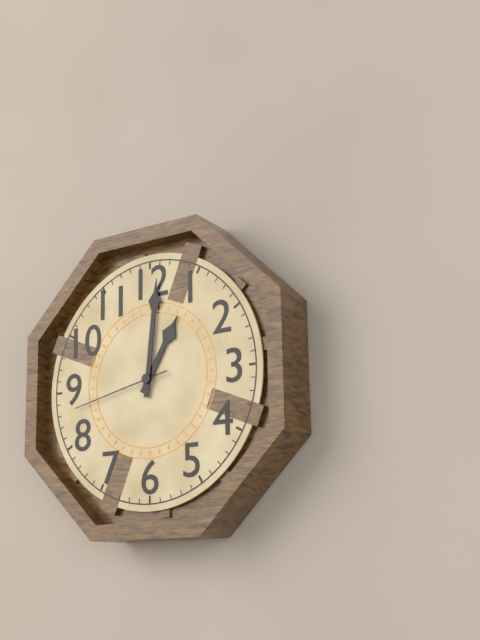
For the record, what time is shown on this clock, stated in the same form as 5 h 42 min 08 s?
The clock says 1 h 01 min 43 s
